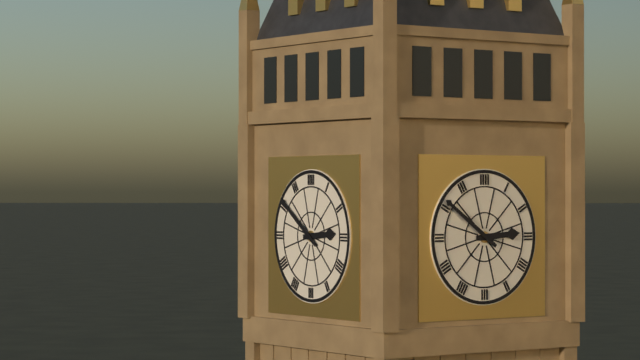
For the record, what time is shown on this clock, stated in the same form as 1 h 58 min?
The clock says 2 h 51 min
